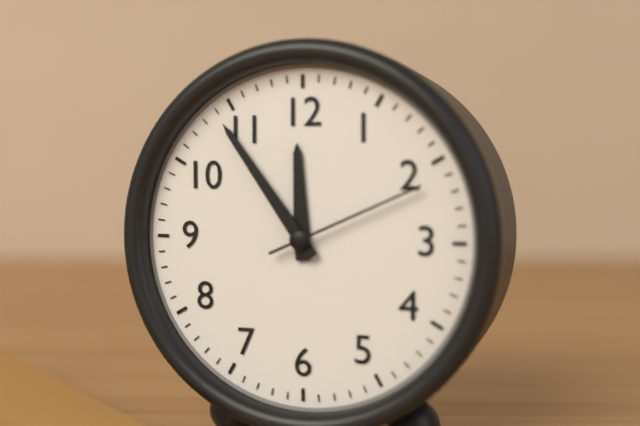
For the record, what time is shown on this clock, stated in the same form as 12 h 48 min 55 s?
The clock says 11 h 54 min 11 s
